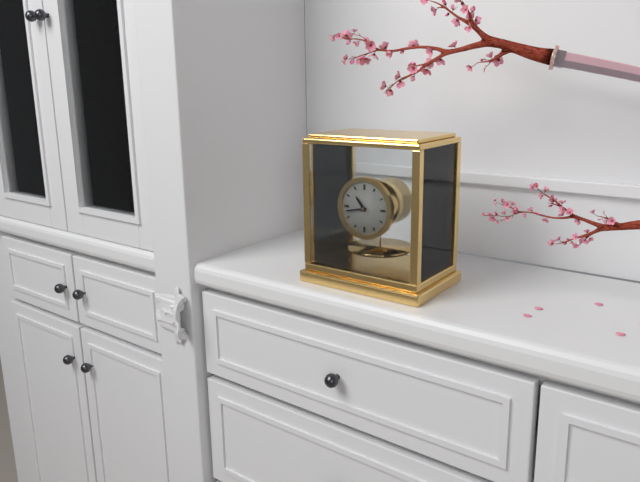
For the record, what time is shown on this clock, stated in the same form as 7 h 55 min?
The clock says 10 h 43 min
